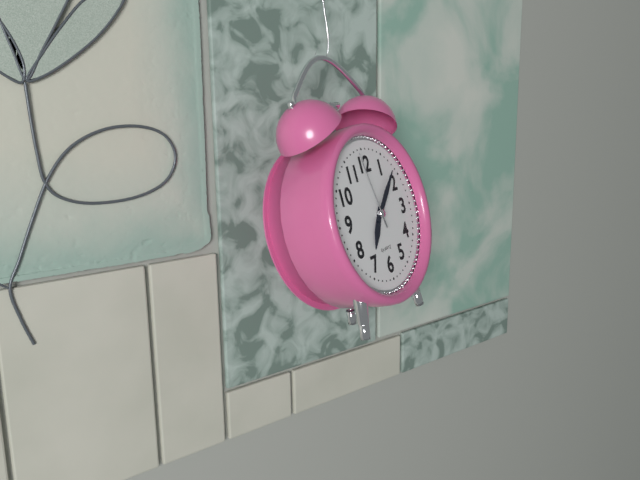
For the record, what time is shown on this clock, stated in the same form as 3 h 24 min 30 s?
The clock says 7 h 08 min 58 s
